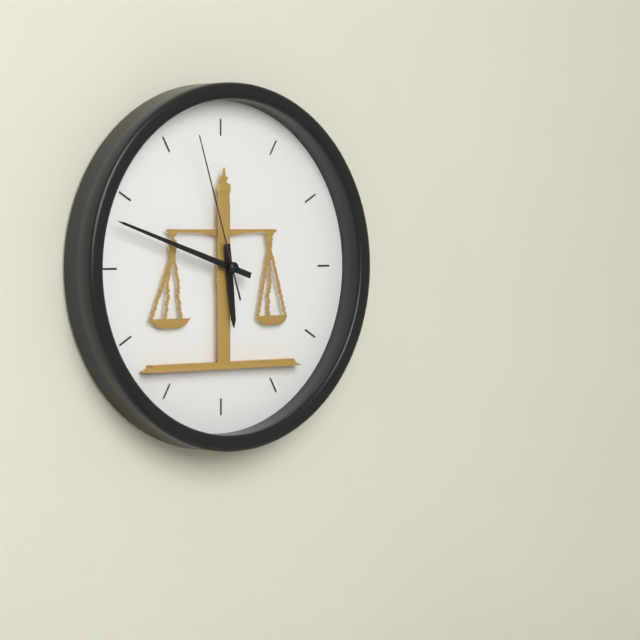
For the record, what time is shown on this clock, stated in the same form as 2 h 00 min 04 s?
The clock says 5 h 48 min 57 s
